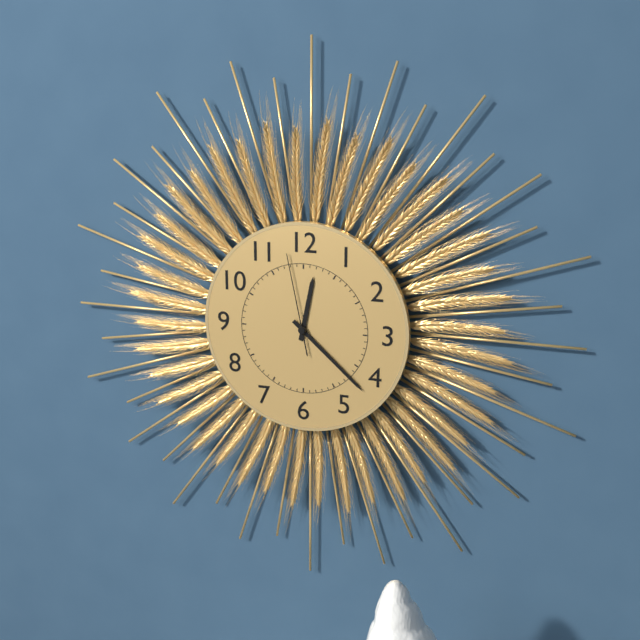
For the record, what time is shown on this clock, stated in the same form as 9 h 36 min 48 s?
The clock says 12 h 22 min 58 s
